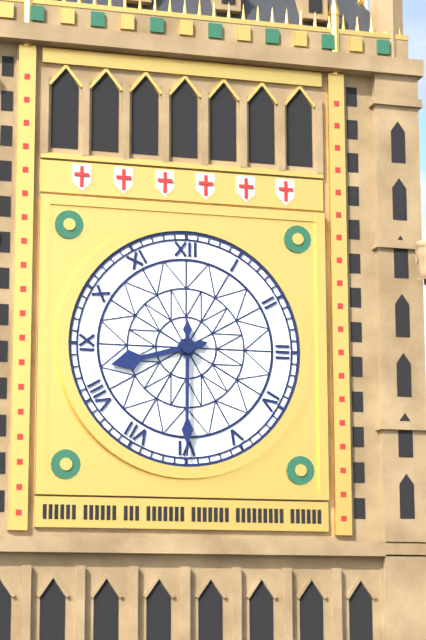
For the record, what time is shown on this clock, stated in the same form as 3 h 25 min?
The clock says 8 h 30 min
